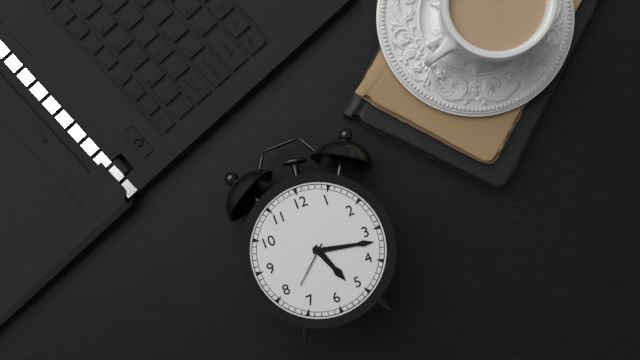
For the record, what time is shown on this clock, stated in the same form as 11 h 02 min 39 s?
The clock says 5 h 17 min 38 s
